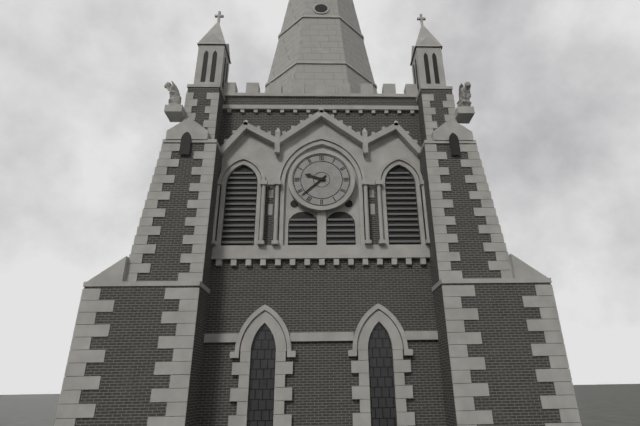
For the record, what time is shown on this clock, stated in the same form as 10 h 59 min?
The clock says 9 h 38 min
